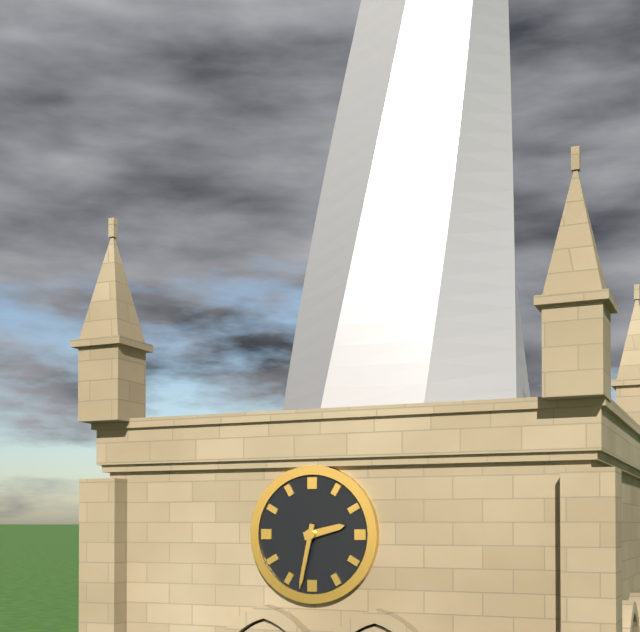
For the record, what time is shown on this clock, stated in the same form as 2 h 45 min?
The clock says 2 h 32 min
